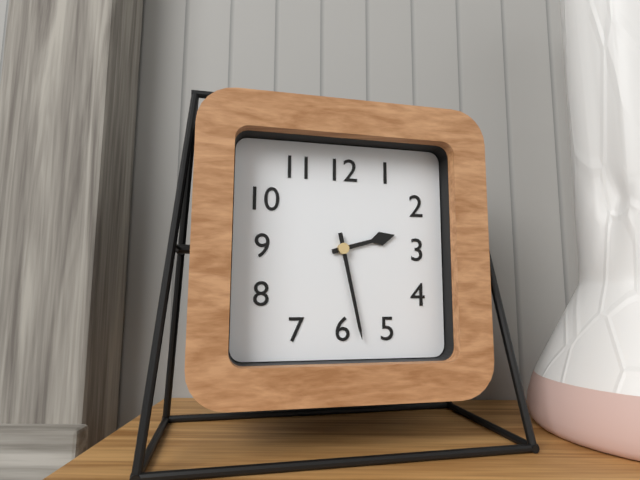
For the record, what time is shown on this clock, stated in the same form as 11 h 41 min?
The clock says 2 h 28 min
